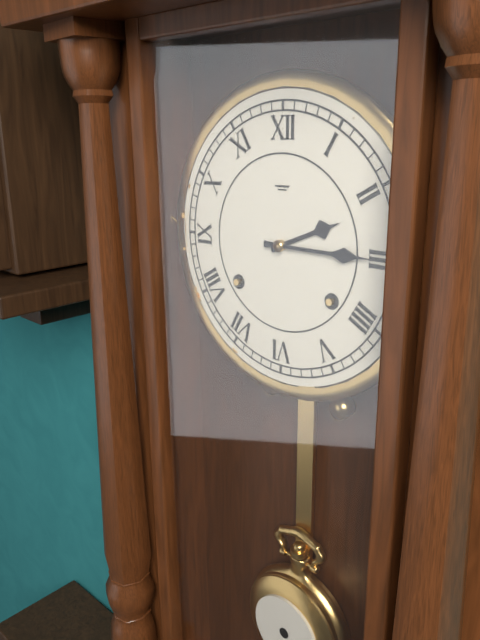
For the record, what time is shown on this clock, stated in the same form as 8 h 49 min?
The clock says 2 h 15 min
